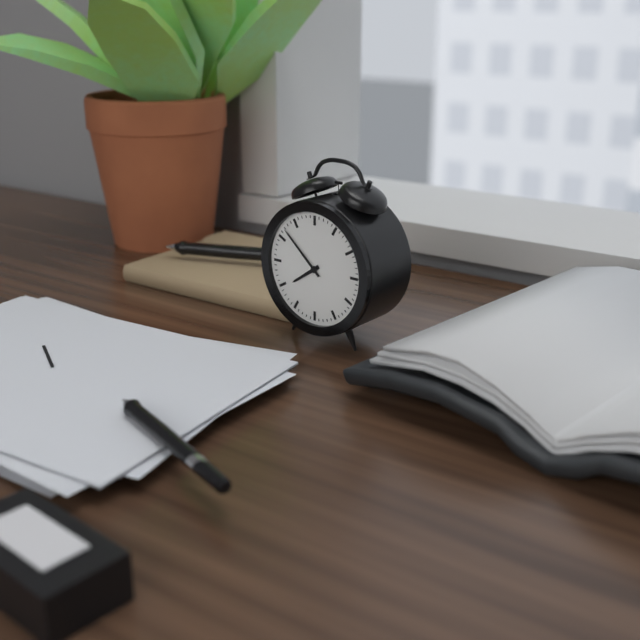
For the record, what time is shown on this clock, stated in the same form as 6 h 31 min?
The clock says 7 h 52 min
